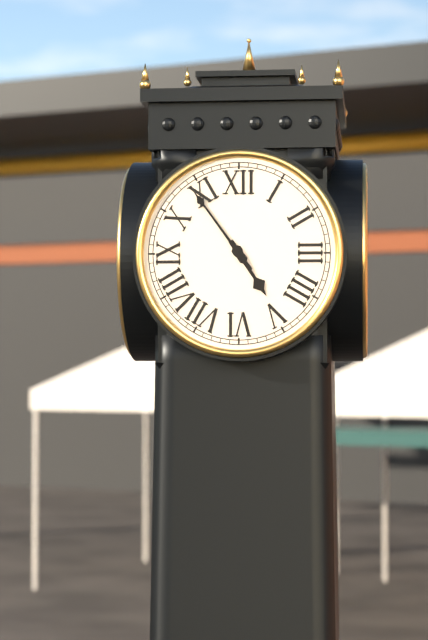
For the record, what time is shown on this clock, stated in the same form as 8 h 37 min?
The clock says 4 h 54 min
